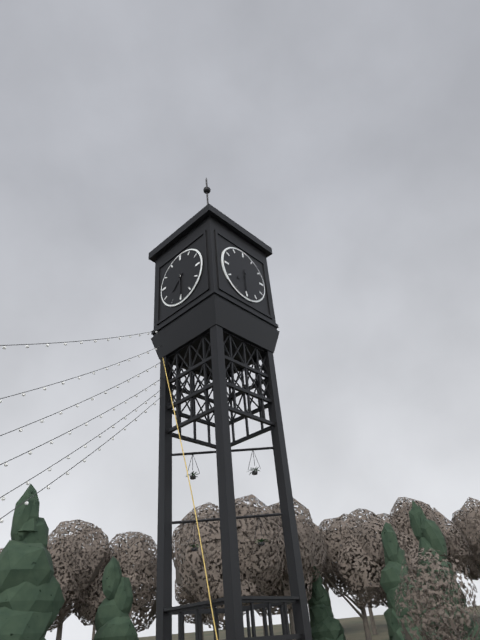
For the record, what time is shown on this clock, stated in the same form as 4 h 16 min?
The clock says 7 h 30 min
